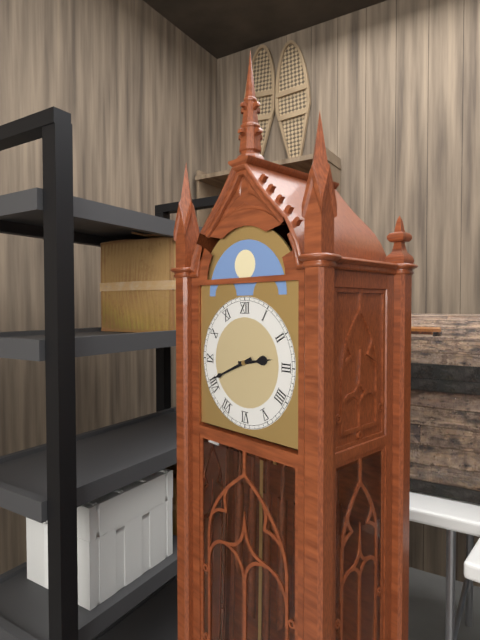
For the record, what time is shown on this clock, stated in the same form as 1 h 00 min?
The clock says 2 h 41 min
